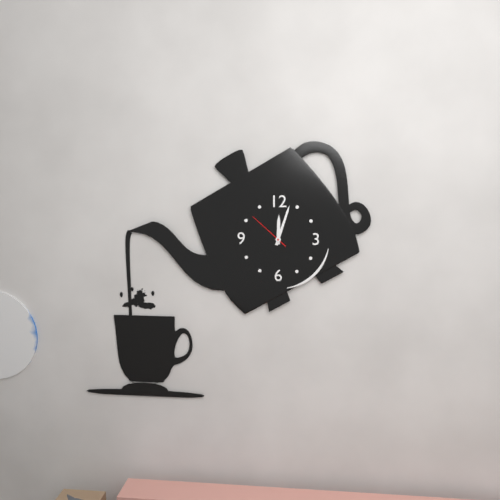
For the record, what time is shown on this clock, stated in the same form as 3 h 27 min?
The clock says 12 h 03 min
